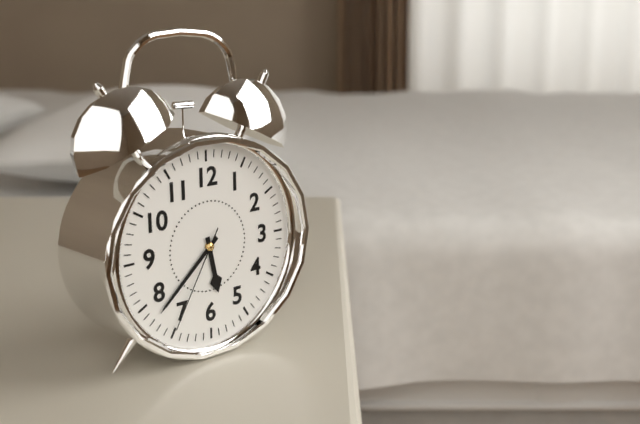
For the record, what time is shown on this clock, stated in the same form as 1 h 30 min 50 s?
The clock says 5 h 38 min 35 s
